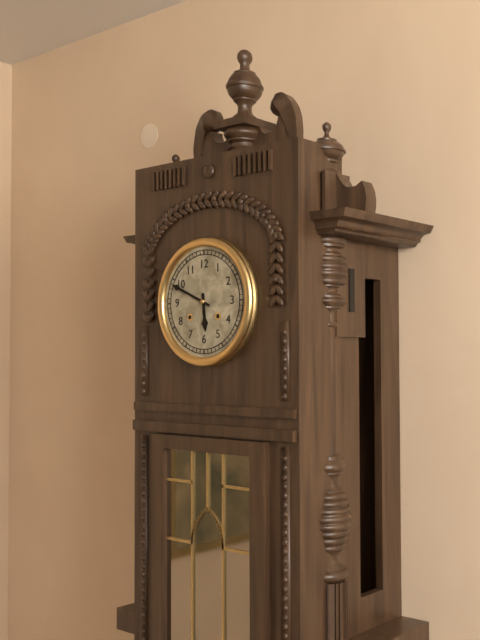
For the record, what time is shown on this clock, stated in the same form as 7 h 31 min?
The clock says 5 h 49 min
